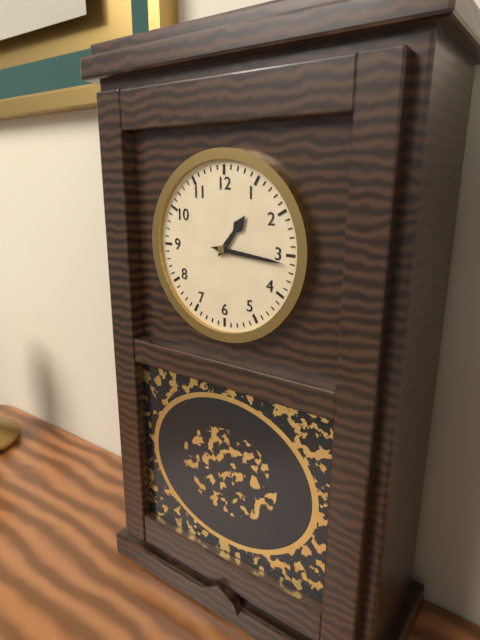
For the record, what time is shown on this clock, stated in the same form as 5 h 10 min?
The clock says 1 h 16 min
